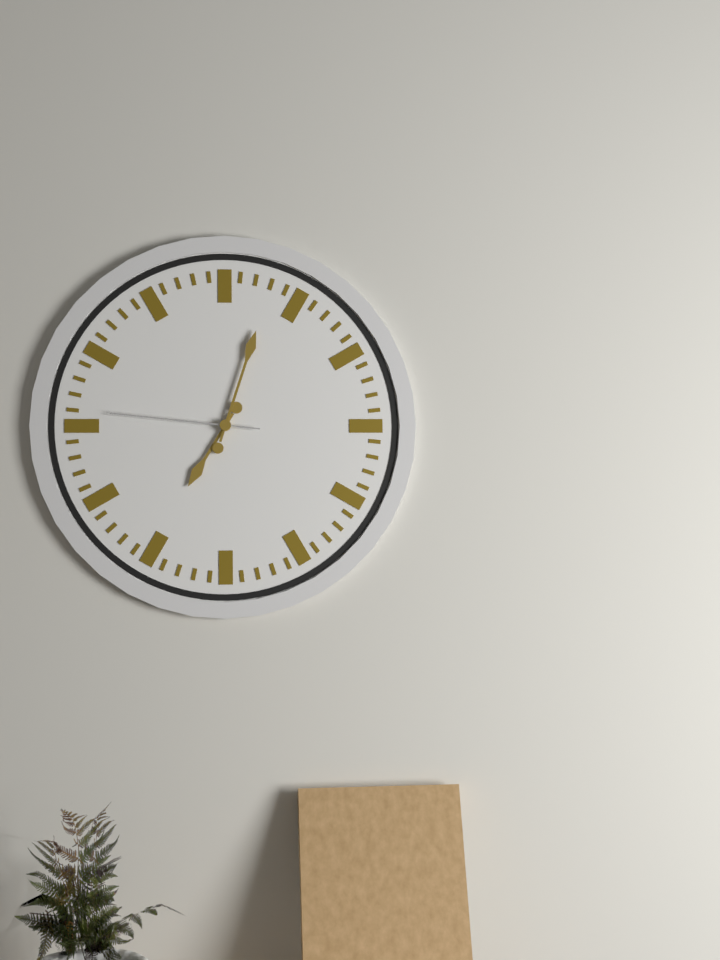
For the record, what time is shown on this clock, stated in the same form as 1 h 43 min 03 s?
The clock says 7 h 03 min 46 s
